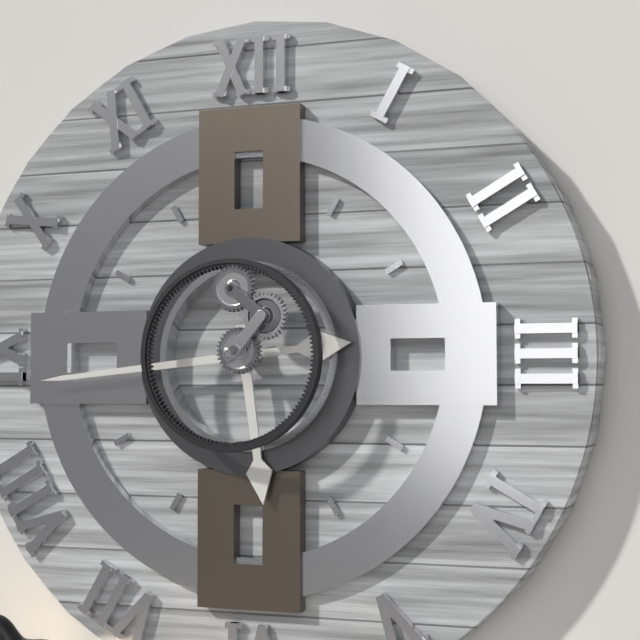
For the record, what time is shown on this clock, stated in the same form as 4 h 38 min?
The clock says 5 h 44 min
